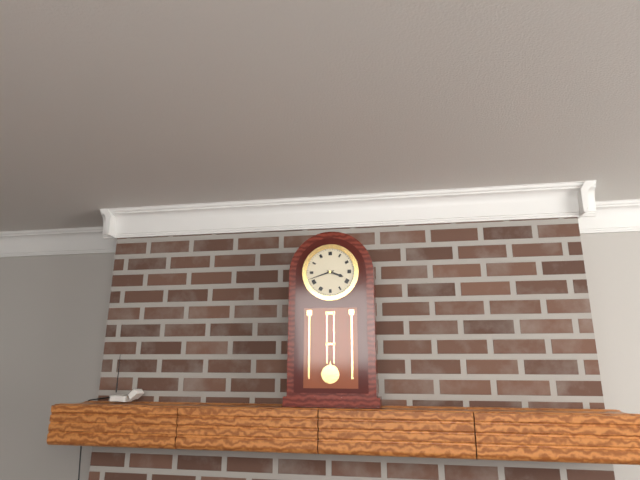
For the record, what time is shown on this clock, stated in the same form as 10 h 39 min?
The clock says 3 h 42 min
